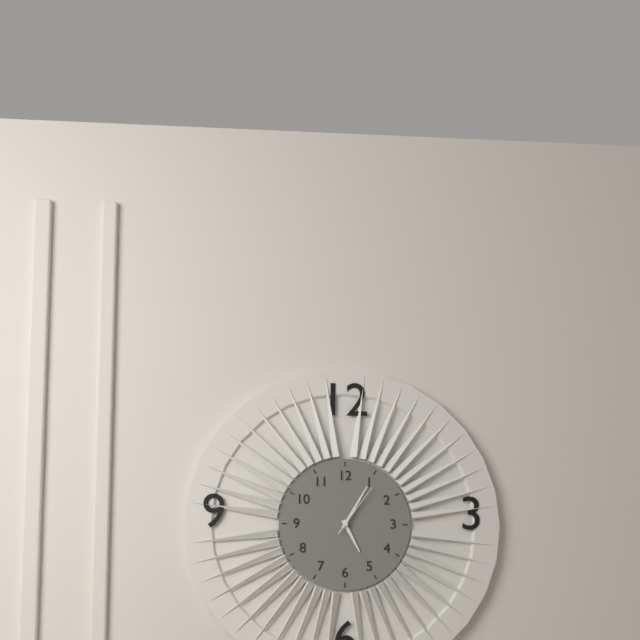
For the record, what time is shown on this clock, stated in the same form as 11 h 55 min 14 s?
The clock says 5 h 05 min 06 s
